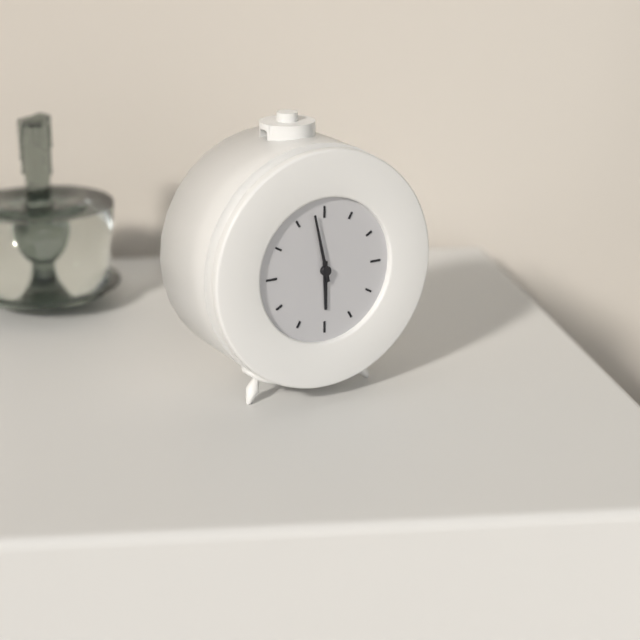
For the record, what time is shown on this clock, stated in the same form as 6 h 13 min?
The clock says 5 h 58 min
